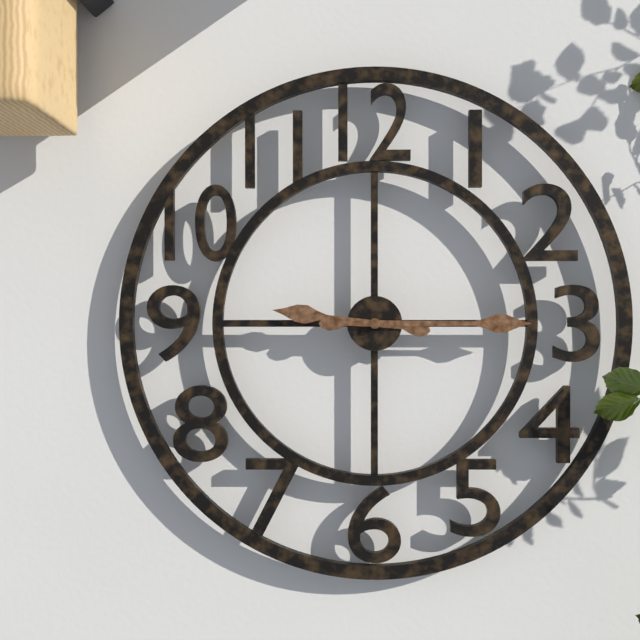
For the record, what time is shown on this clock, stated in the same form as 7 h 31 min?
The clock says 9 h 15 min
